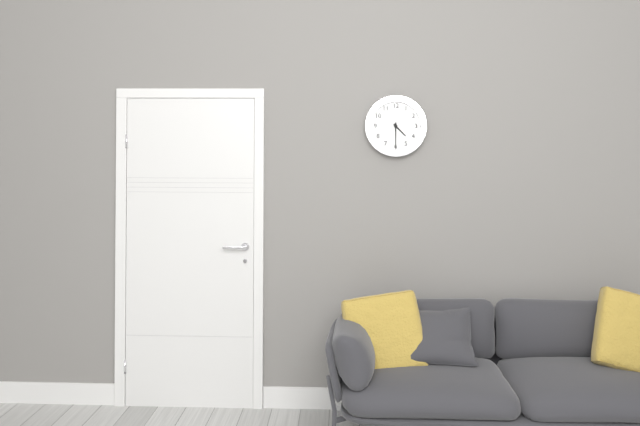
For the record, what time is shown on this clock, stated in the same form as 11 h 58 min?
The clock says 4 h 30 min
